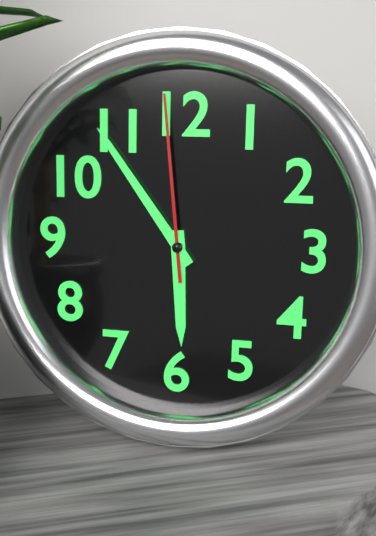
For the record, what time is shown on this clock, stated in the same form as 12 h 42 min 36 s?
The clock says 5 h 54 min 59 s
